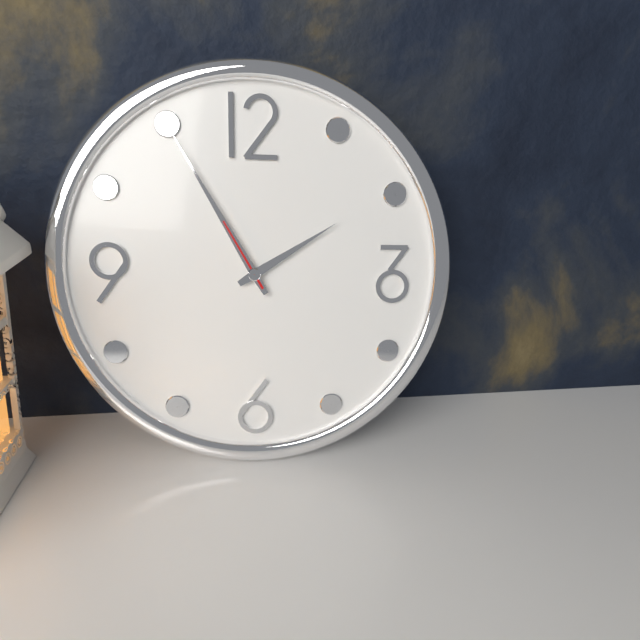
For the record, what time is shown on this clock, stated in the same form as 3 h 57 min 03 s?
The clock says 1 h 55 min 55 s
